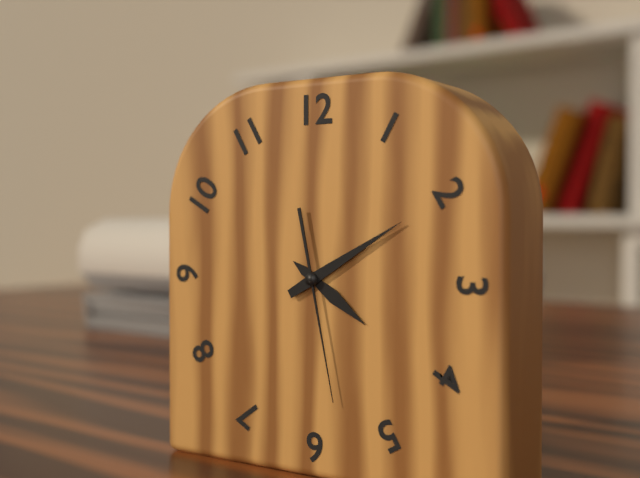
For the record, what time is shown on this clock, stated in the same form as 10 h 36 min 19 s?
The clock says 4 h 10 min 28 s
